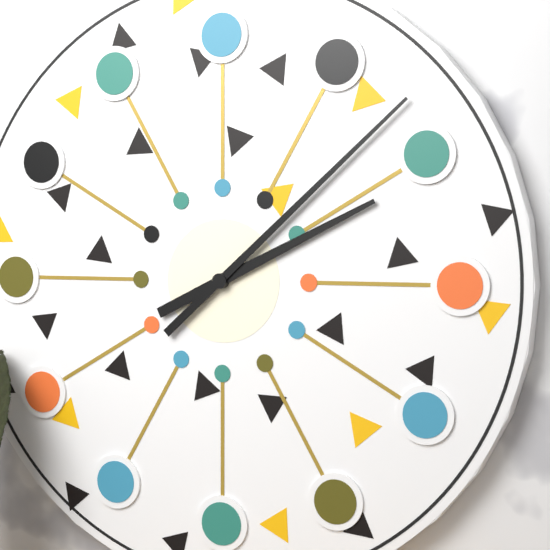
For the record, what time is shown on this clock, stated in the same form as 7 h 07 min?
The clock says 2 h 08 min
